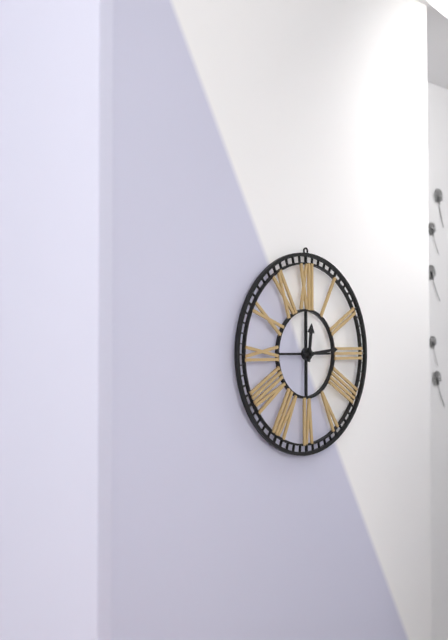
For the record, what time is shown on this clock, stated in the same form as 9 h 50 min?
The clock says 12 h 14 min
